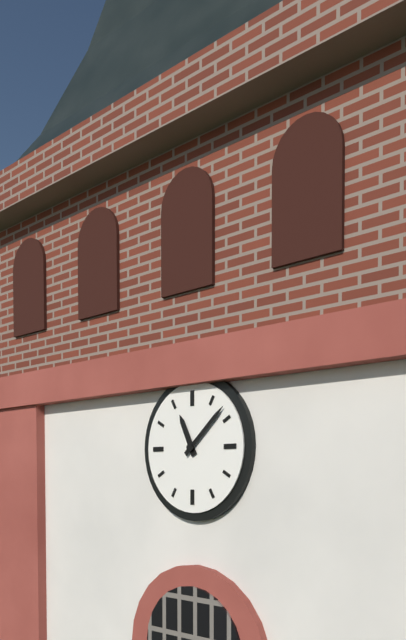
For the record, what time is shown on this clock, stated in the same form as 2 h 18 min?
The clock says 11 h 08 min
